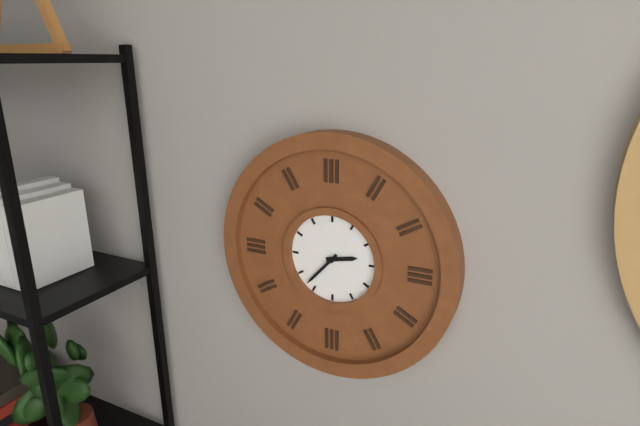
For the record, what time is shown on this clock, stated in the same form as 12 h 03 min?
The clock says 2 h 37 min
